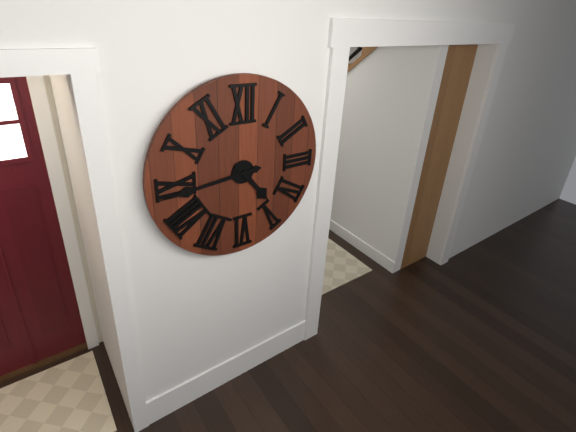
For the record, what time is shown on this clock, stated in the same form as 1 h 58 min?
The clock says 4 h 44 min
